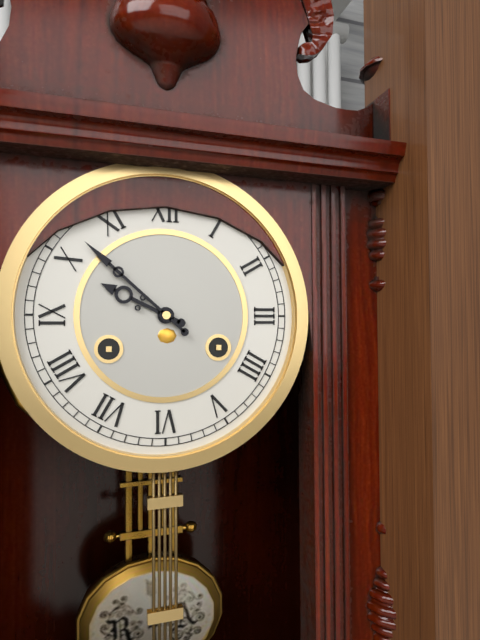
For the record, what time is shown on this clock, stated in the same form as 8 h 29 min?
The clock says 9 h 52 min
